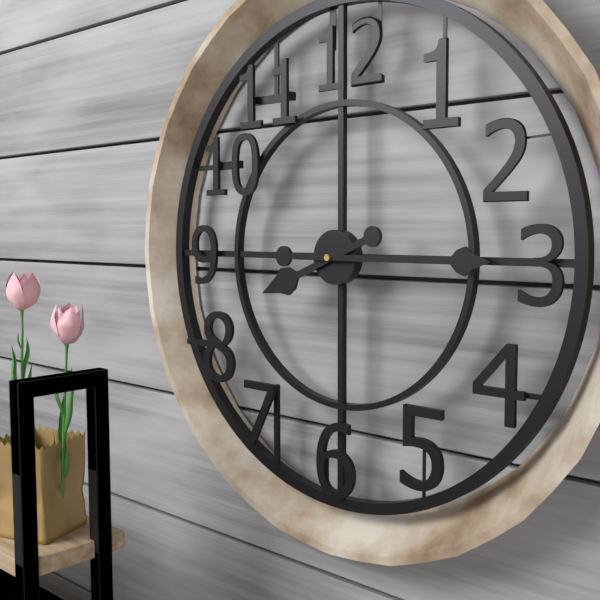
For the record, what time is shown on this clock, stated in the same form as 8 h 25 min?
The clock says 8 h 15 min
